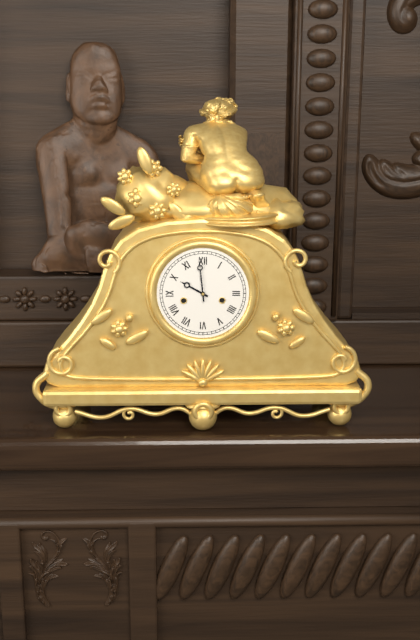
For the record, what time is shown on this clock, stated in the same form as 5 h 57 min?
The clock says 9 h 59 min
